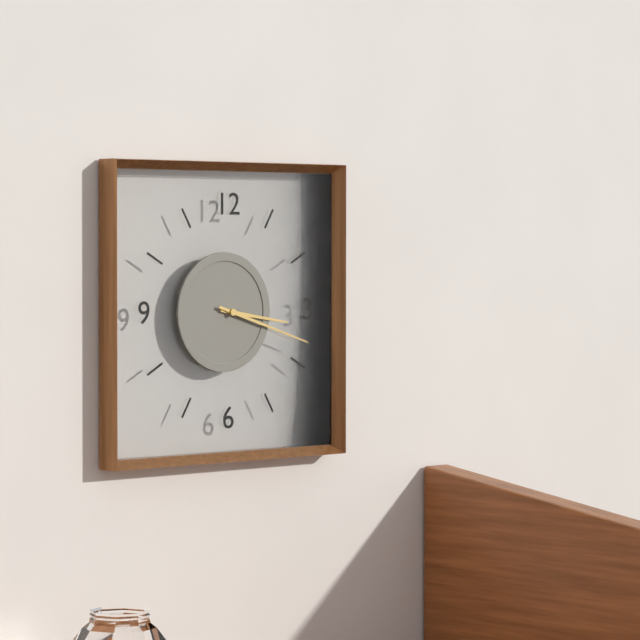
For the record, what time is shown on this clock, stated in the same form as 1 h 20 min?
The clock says 3 h 18 min
